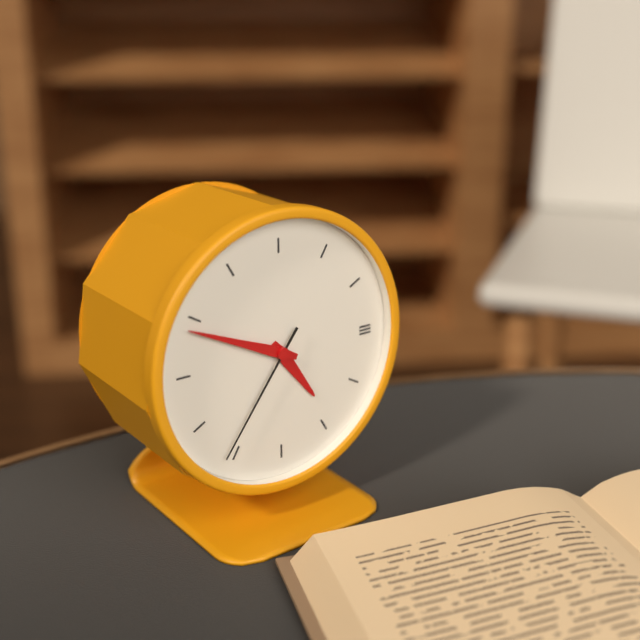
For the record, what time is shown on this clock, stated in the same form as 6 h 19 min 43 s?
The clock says 4 h 49 min 36 s
